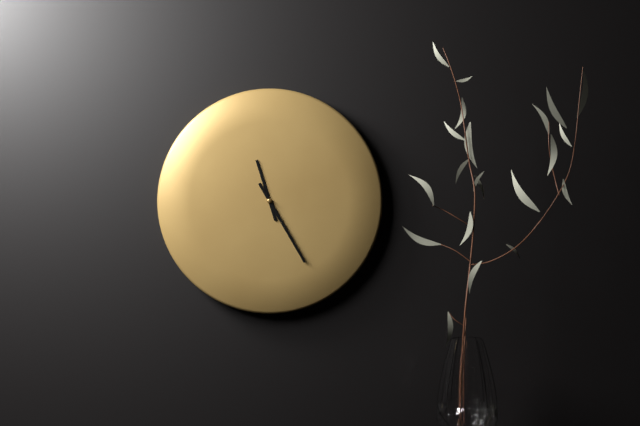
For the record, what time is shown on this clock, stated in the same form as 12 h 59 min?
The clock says 11 h 25 min
